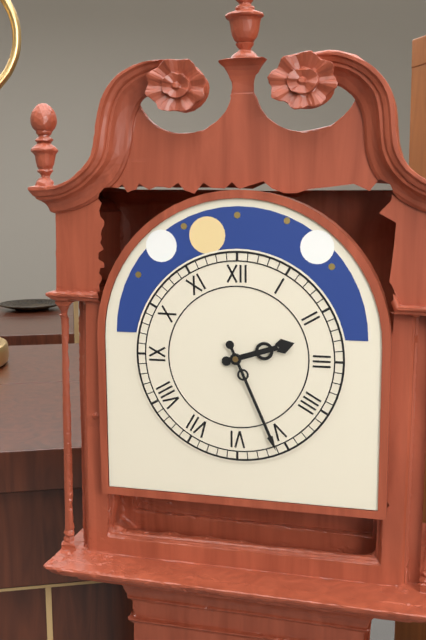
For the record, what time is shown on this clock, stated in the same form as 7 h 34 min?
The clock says 2 h 26 min
